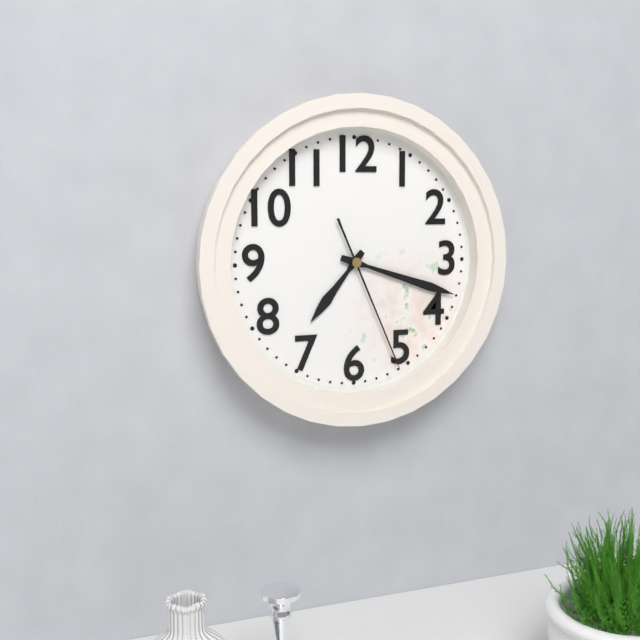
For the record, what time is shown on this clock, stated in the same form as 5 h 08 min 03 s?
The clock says 7 h 18 min 26 s
